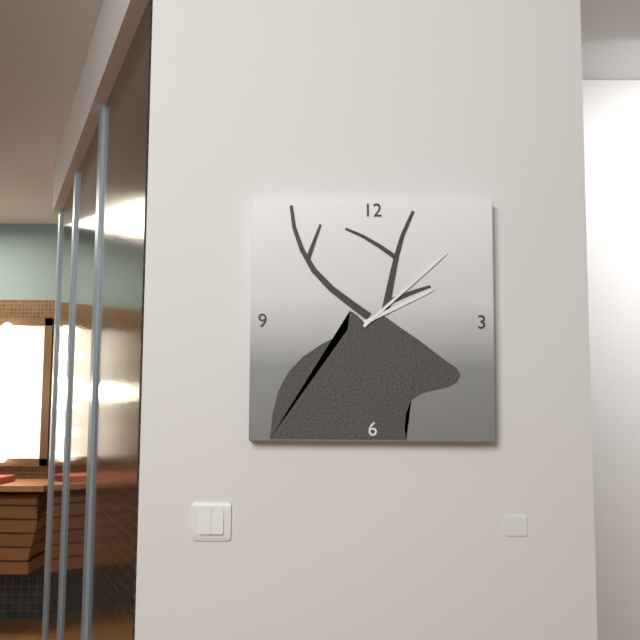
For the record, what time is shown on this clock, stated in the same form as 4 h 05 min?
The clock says 2 h 08 min
